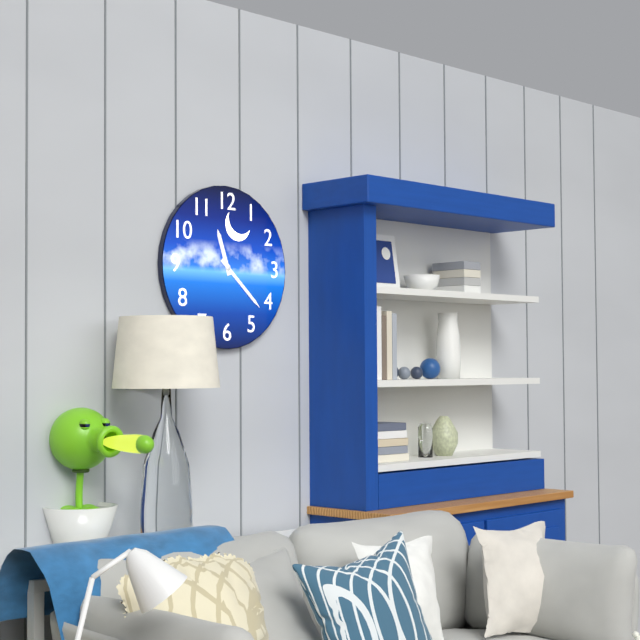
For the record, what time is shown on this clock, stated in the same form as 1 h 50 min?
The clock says 11 h 22 min
